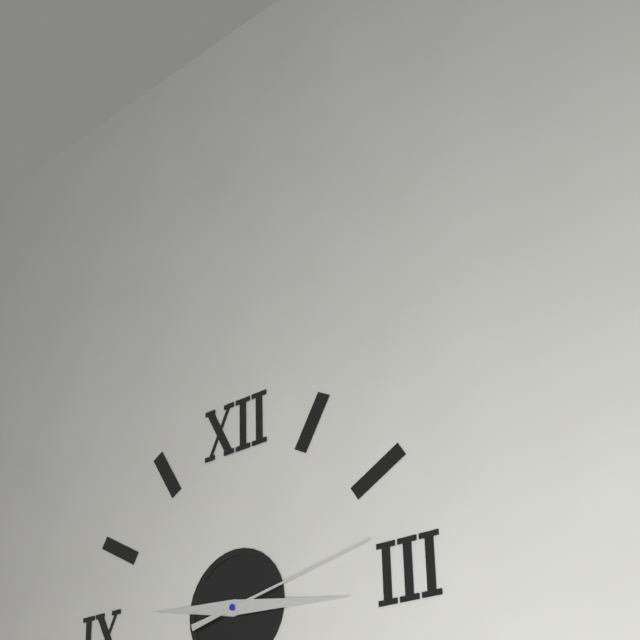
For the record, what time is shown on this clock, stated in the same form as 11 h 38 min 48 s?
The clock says 9 h 16 min 13 s
